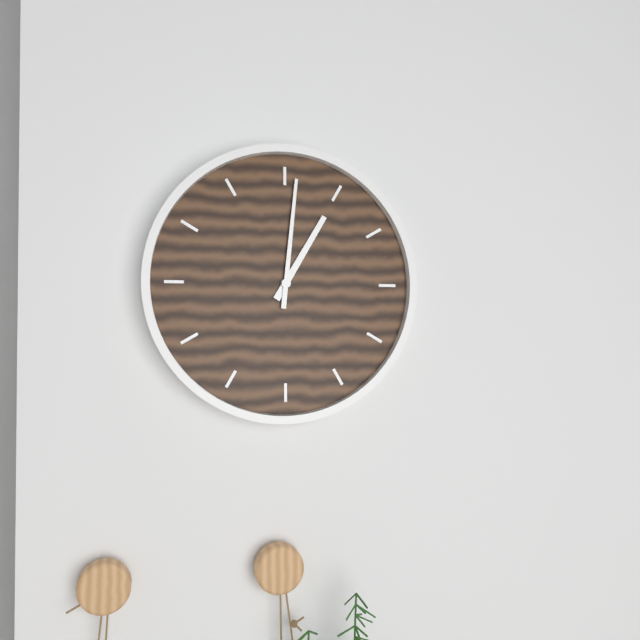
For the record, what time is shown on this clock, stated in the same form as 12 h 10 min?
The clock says 1 h 01 min
